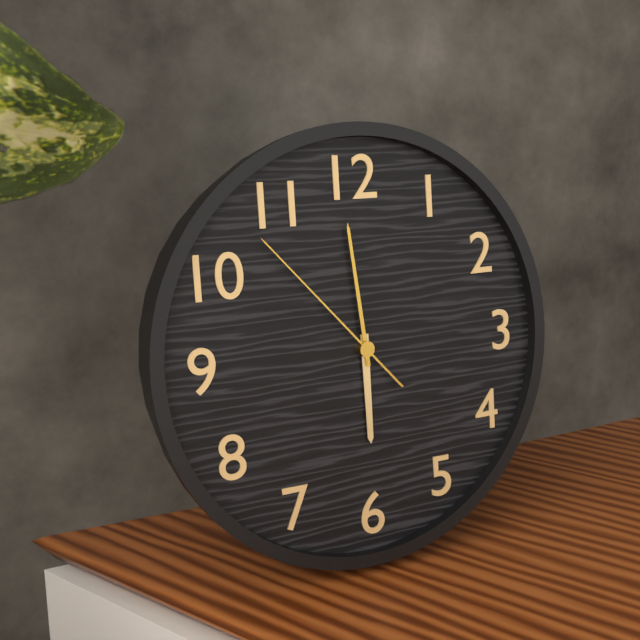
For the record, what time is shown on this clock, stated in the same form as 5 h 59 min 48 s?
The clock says 5 h 59 min 53 s
